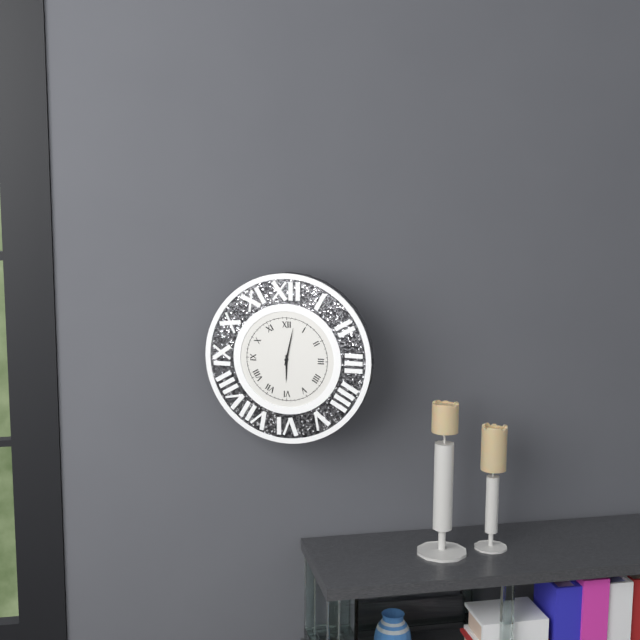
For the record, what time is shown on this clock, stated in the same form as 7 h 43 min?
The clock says 6 h 02 min
